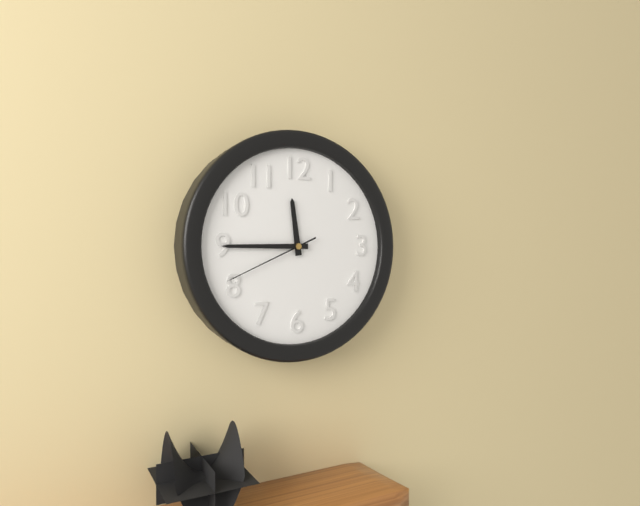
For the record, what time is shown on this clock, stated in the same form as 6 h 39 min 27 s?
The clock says 11 h 45 min 41 s
